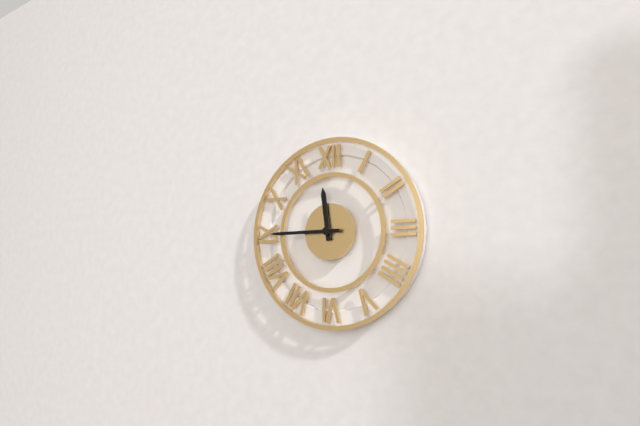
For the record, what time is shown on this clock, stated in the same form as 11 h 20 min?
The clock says 11 h 45 min
